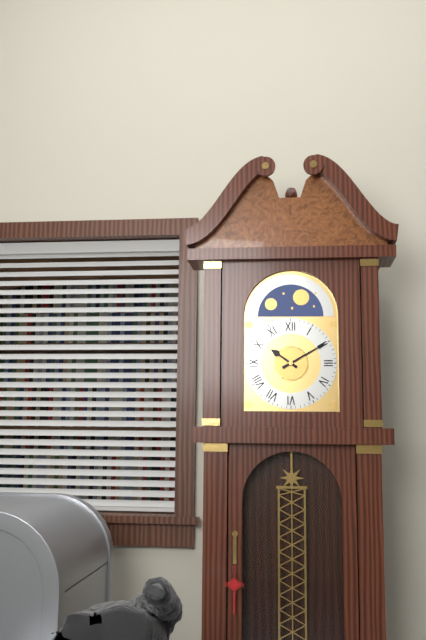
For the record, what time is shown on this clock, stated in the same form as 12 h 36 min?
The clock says 10 h 10 min
